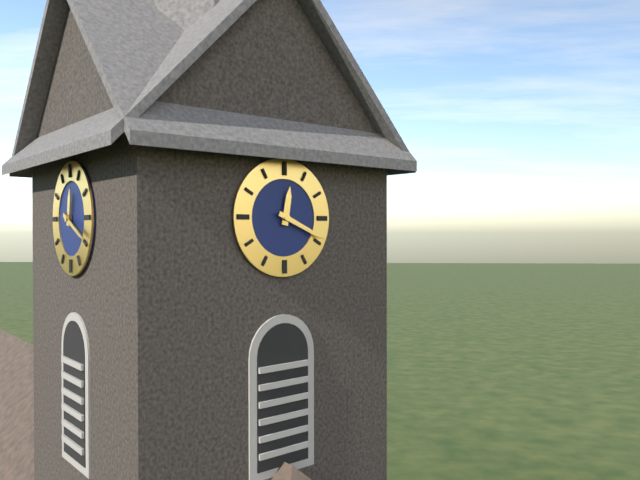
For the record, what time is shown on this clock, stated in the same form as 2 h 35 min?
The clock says 12 h 19 min
